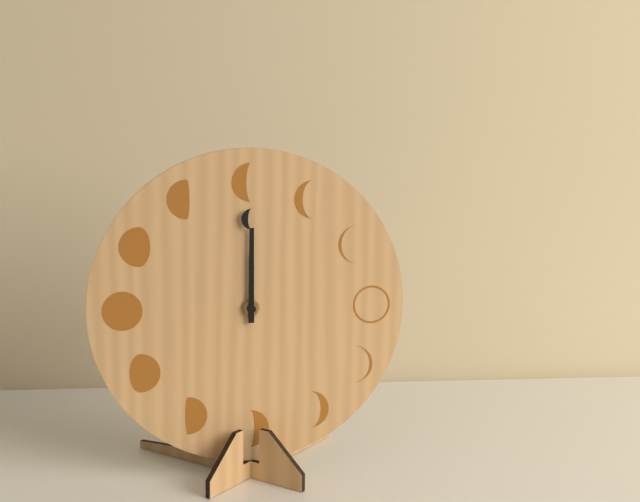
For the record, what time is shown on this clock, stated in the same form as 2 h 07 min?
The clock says 12 h 00 min
